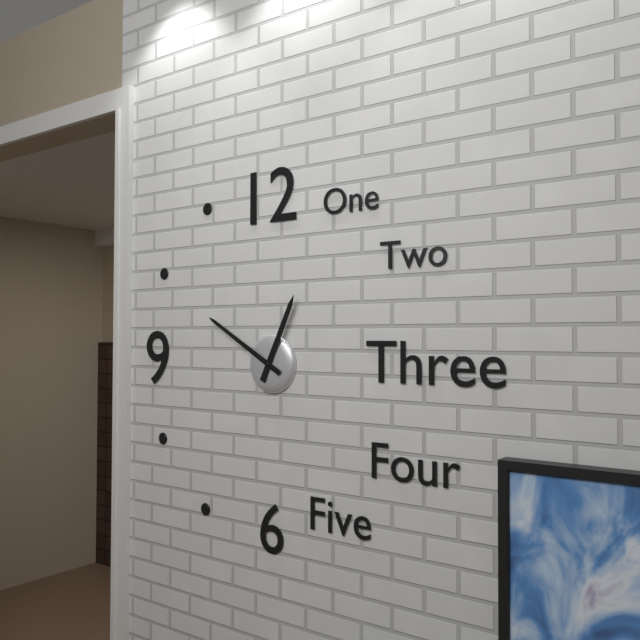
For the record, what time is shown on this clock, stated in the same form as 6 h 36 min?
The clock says 12 h 50 min
